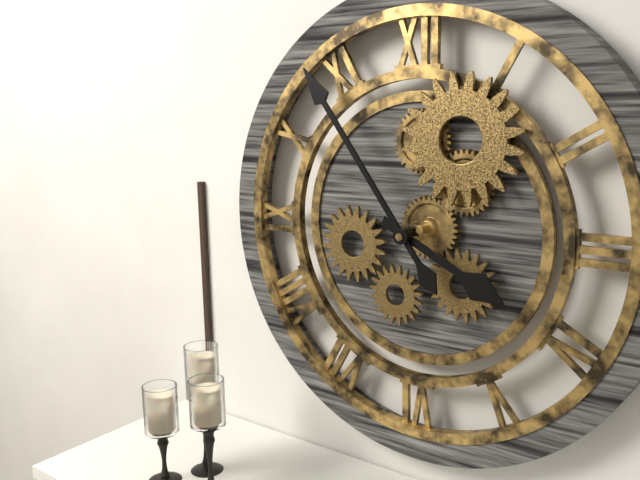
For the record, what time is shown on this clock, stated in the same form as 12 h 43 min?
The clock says 3 h 54 min
